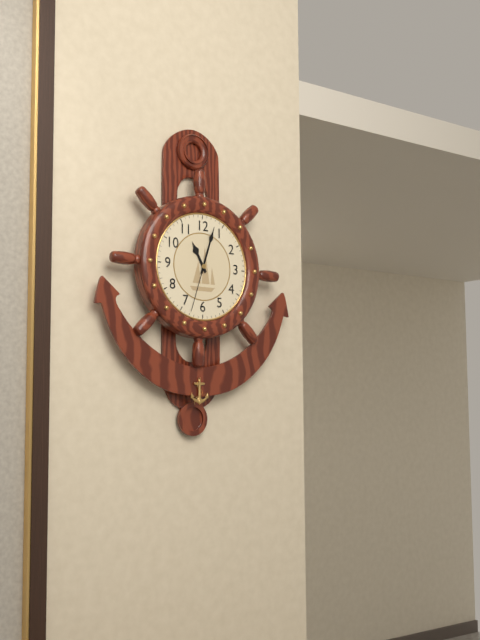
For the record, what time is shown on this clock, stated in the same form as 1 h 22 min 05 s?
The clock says 11 h 03 min 33 s
